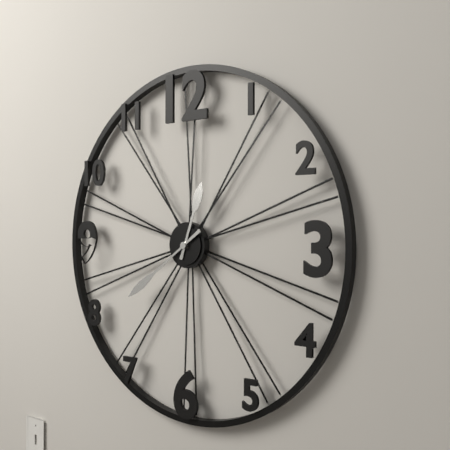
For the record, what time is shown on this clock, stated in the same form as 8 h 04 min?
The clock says 12 h 39 min
